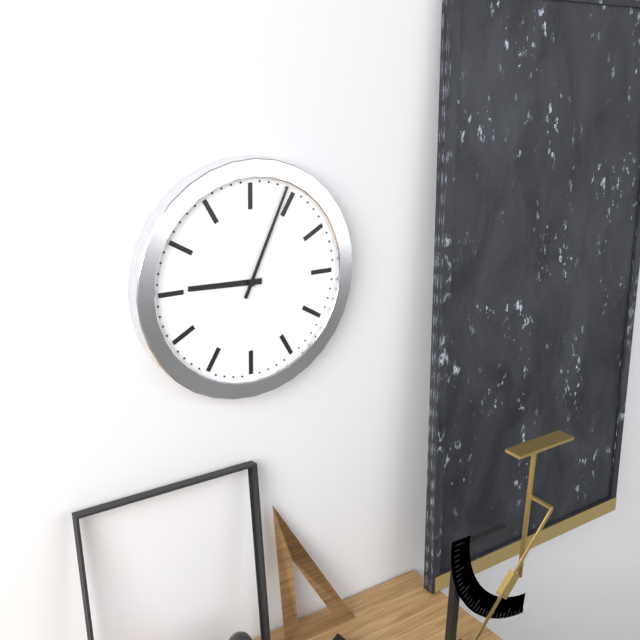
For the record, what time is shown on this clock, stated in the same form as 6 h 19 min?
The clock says 9 h 04 min
